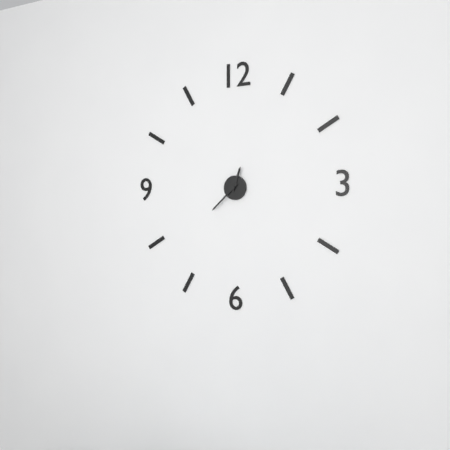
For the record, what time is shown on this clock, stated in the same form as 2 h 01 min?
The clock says 12 h 38 min
